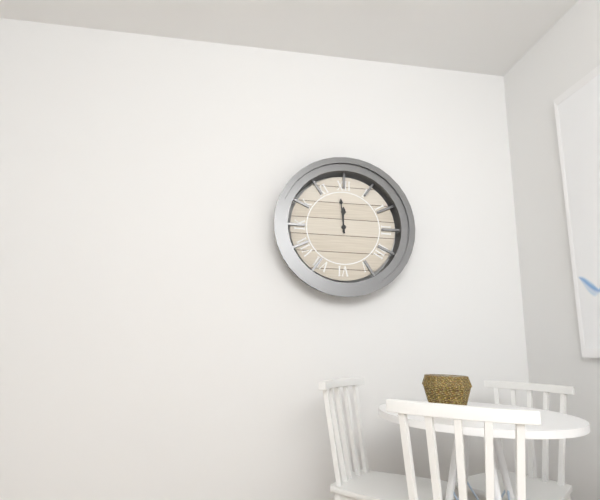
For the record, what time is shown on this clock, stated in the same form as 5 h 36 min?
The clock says 11 h 59 min
